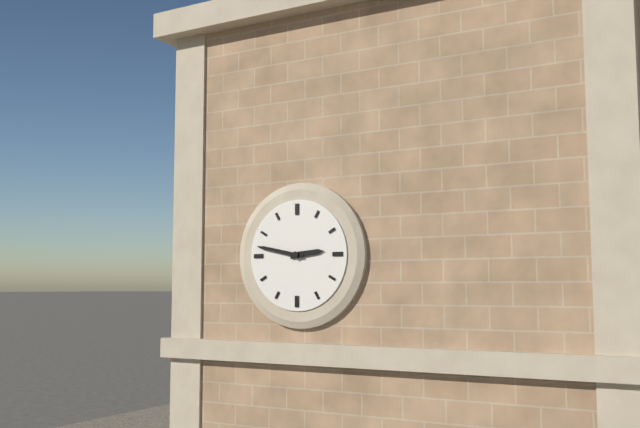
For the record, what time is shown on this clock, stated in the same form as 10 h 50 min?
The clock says 2 h 47 min
